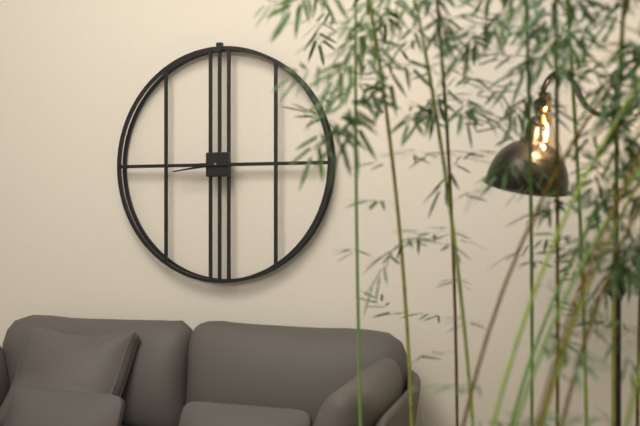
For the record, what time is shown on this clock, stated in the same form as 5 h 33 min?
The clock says 8 h 45 min
